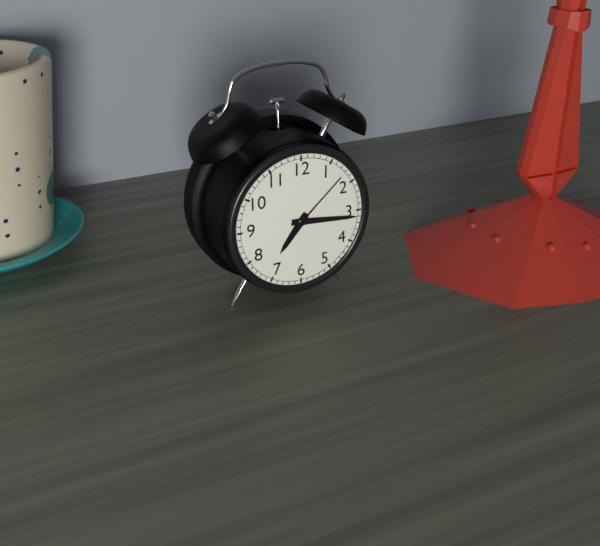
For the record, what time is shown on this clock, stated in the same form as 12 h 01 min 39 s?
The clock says 7 h 16 min 08 s
